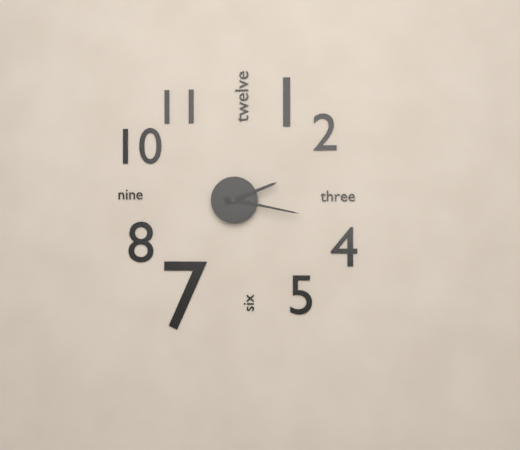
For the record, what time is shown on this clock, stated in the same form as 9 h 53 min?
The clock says 2 h 17 min
